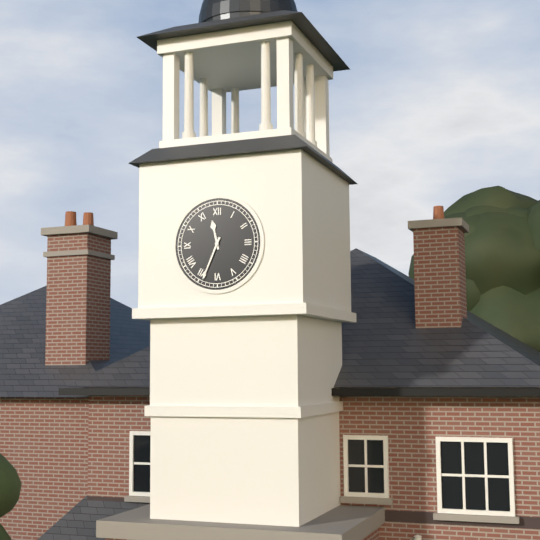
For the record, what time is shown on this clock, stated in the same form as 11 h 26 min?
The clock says 11 h 34 min
